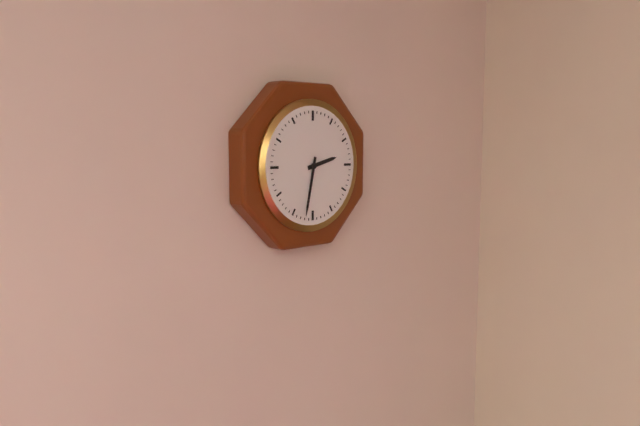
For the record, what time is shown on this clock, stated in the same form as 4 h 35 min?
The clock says 2 h 32 min
